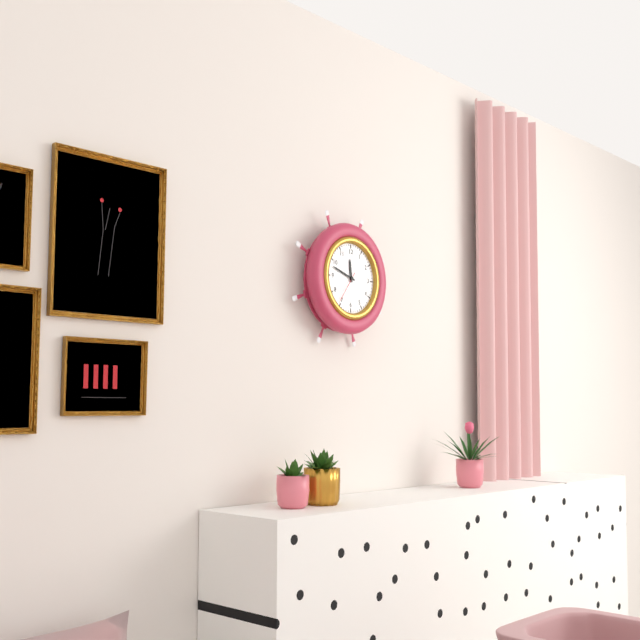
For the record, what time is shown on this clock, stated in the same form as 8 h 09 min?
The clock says 11 h 48 min
